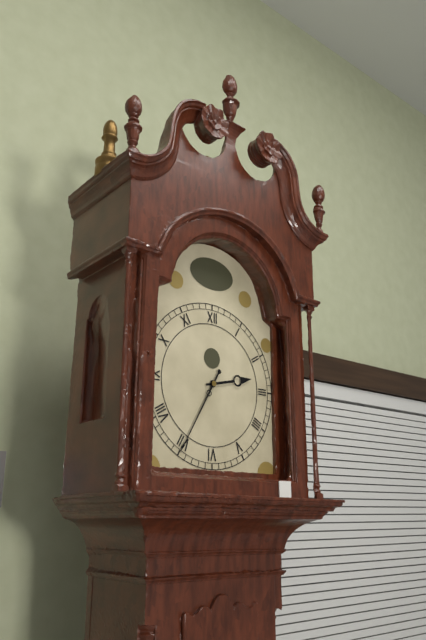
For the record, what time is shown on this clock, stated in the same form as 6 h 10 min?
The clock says 2 h 35 min
